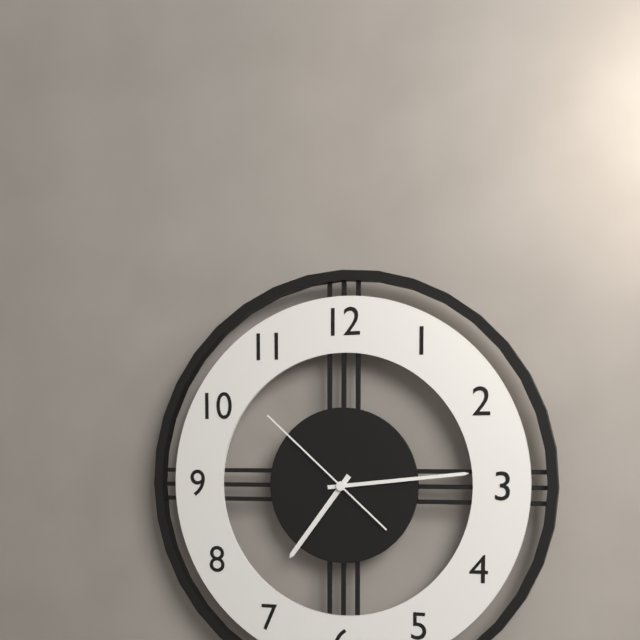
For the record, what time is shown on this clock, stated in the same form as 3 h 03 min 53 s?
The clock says 7 h 14 min 52 s
